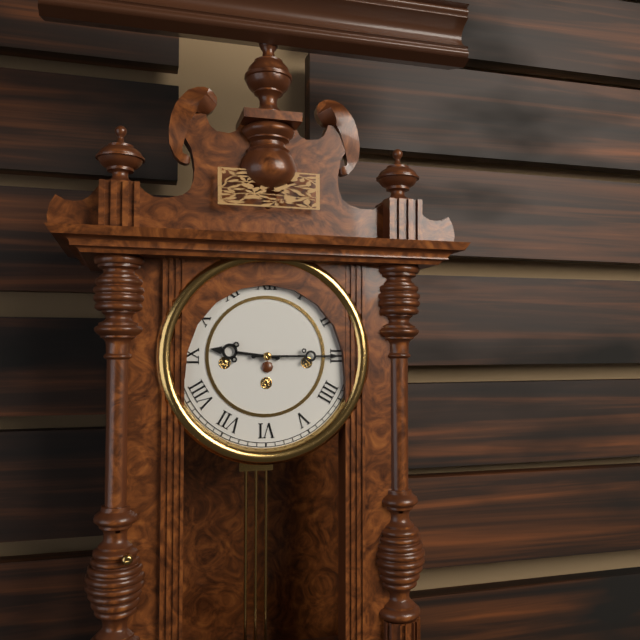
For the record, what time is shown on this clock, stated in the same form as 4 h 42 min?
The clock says 9 h 15 min
